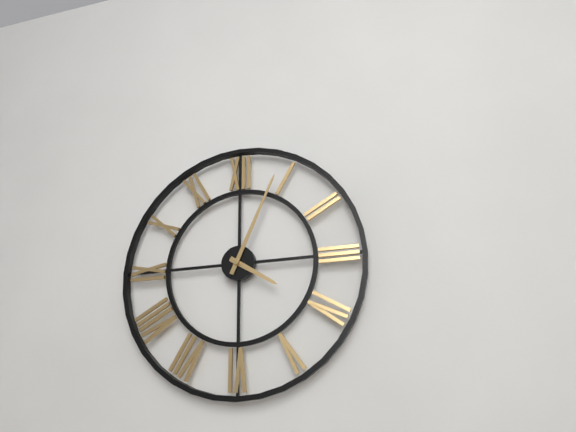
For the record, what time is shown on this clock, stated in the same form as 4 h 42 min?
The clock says 4 h 04 min
